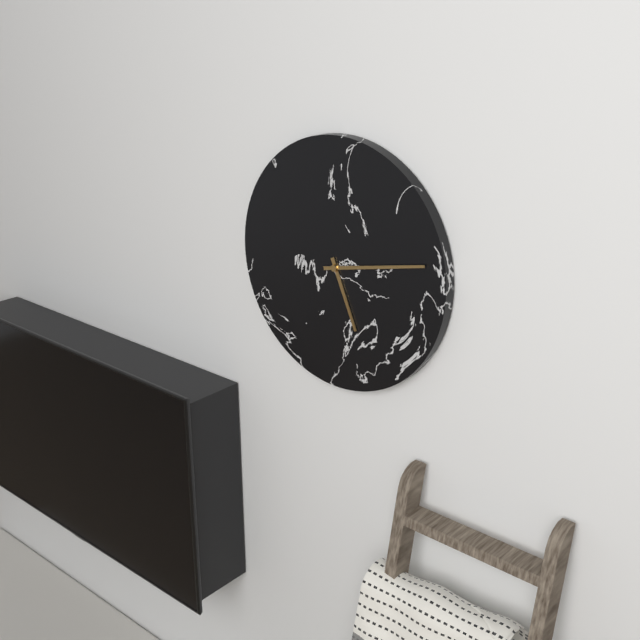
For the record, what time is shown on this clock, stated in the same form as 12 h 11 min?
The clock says 5 h 13 min
